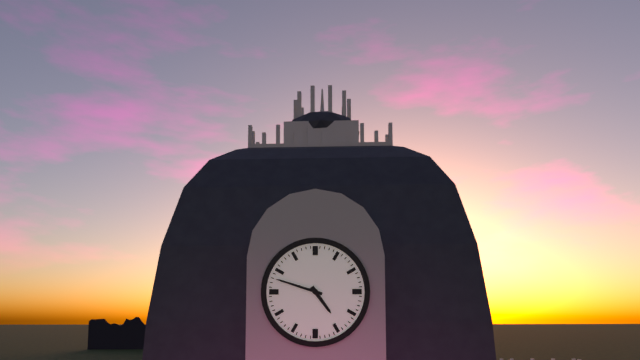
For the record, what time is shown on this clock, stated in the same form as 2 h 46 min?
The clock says 4 h 48 min
